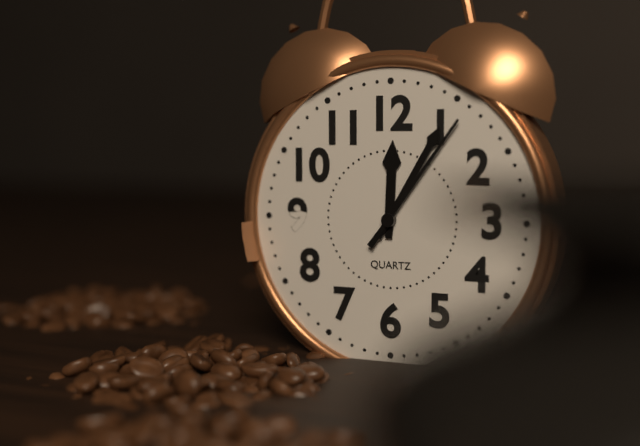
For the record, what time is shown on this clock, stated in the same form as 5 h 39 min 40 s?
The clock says 12 h 05 min 06 s
